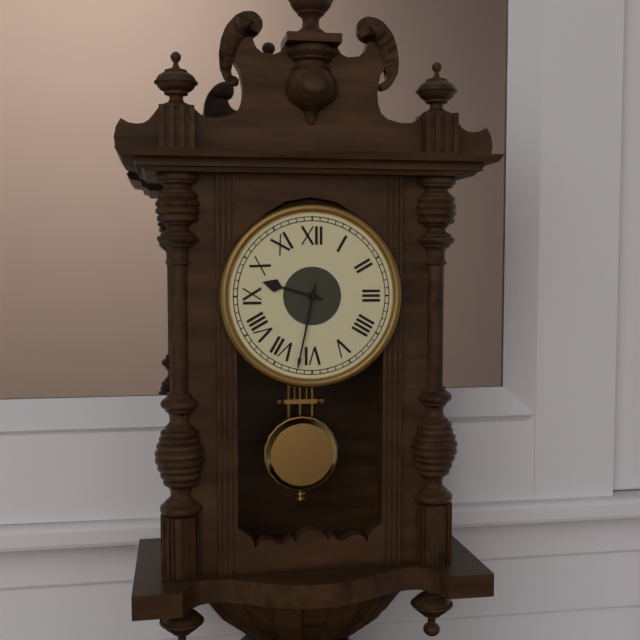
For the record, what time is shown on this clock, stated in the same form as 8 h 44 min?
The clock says 9 h 32 min
